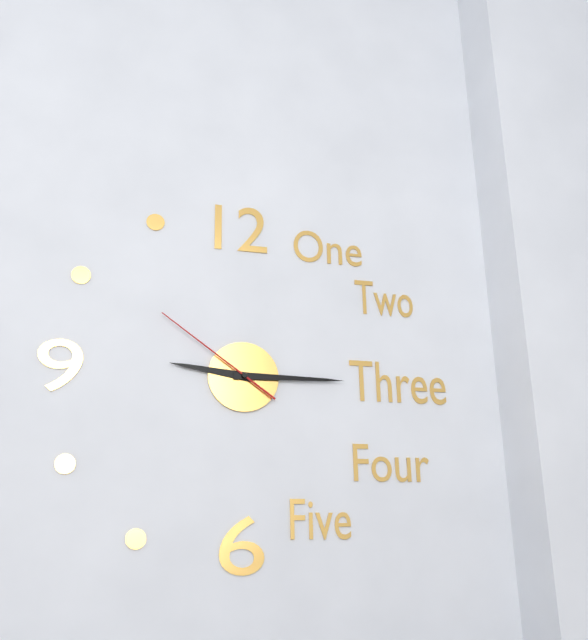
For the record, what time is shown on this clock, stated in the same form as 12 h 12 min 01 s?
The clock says 9 h 15 min 51 s
